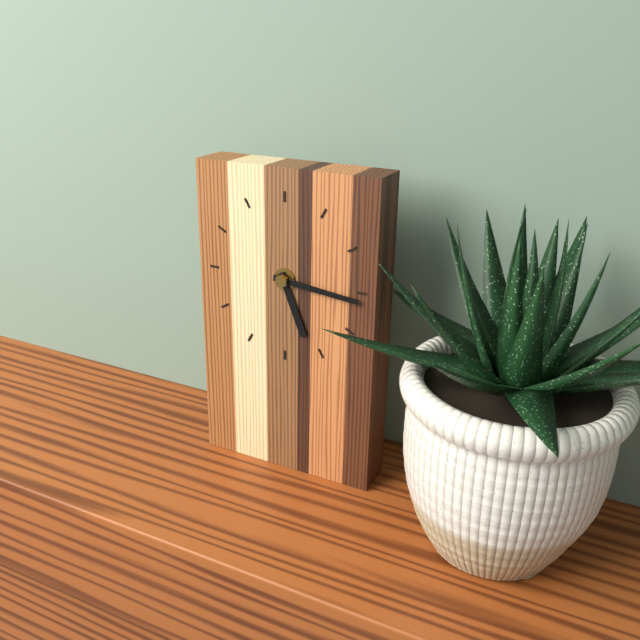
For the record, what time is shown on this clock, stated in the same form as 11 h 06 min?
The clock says 5 h 16 min
